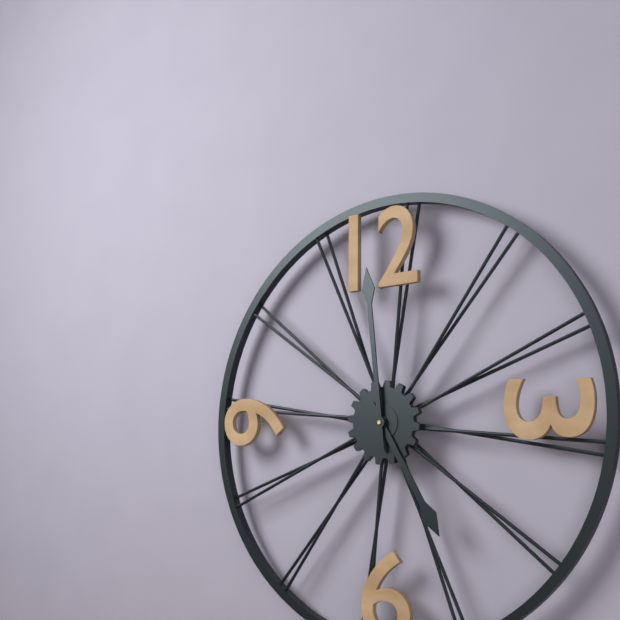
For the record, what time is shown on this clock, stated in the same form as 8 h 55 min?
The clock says 4 h 59 min
